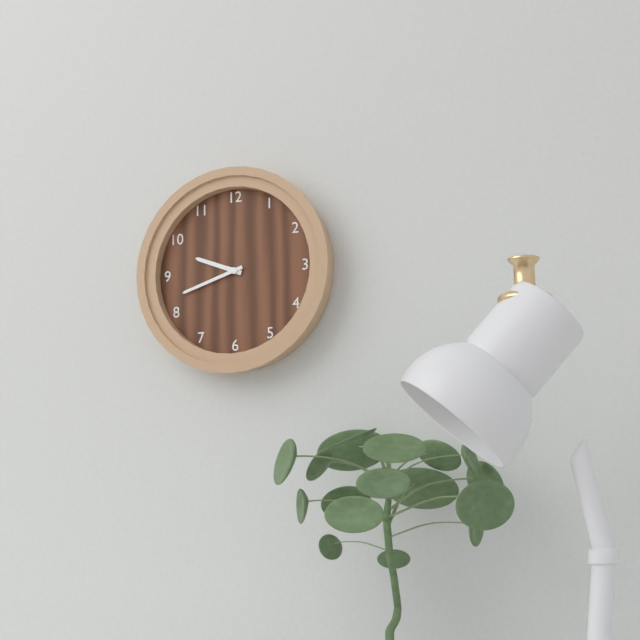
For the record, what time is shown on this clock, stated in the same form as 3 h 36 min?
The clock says 9 h 42 min
